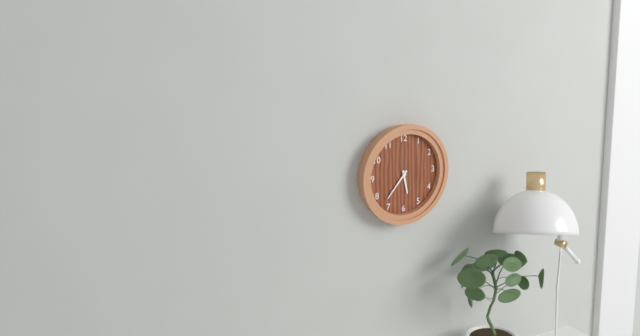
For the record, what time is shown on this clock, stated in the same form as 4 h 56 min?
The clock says 5 h 37 min
